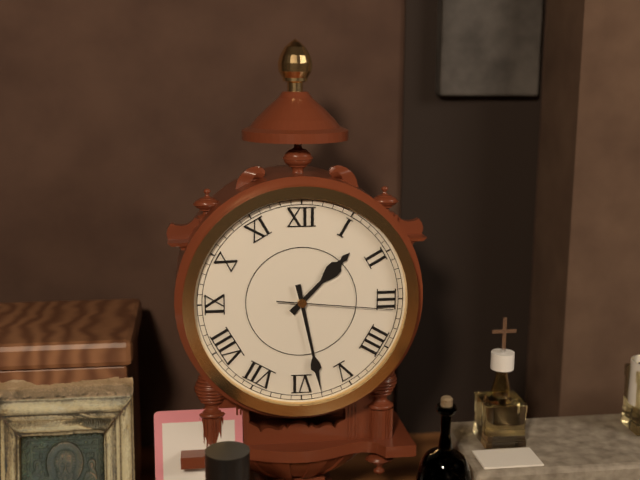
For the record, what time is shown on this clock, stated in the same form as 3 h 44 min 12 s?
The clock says 1 h 28 min 16 s
